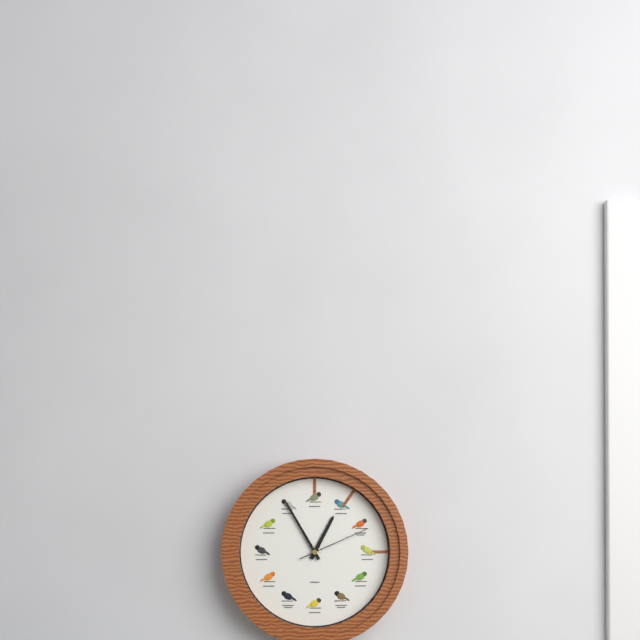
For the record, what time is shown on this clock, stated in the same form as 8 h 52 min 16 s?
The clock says 12 h 55 min 11 s
